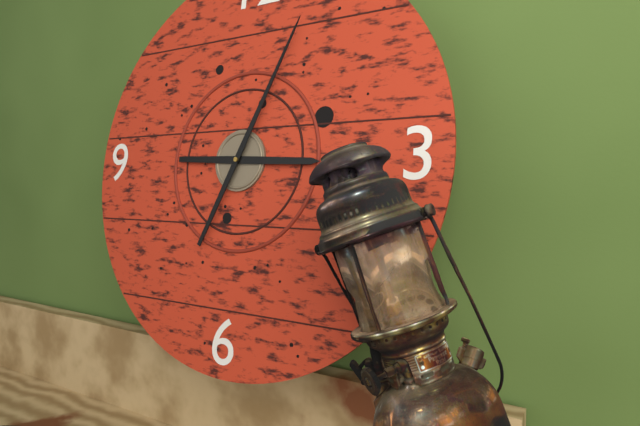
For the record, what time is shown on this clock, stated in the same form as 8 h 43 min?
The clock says 3 h 04 min
